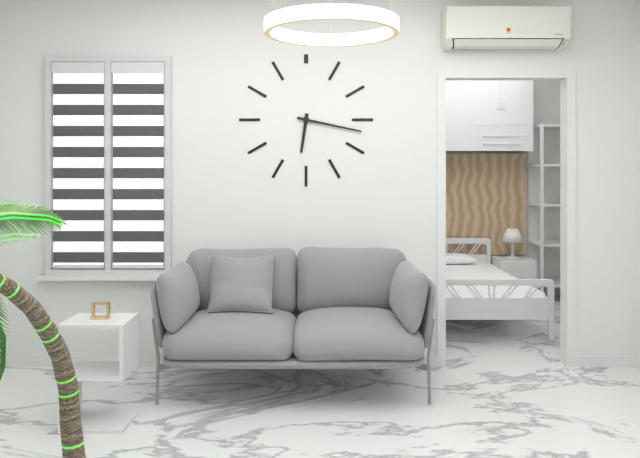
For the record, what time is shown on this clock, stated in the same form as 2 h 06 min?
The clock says 6 h 17 min
